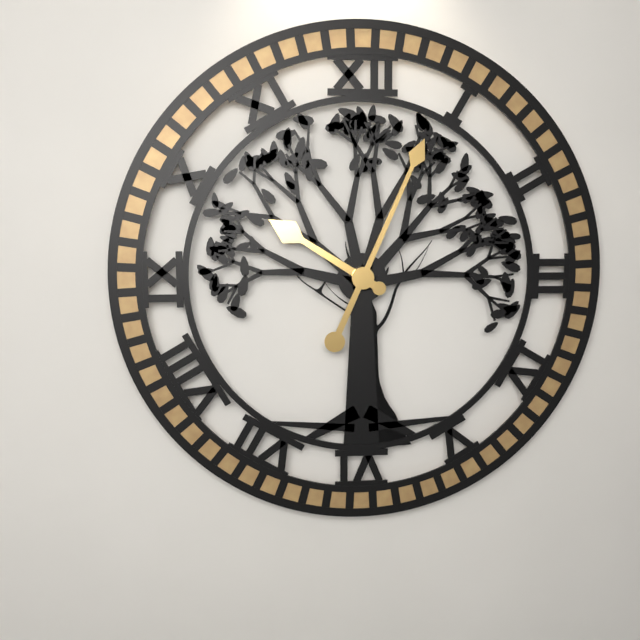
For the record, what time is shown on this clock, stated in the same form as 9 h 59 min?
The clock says 10 h 04 min
